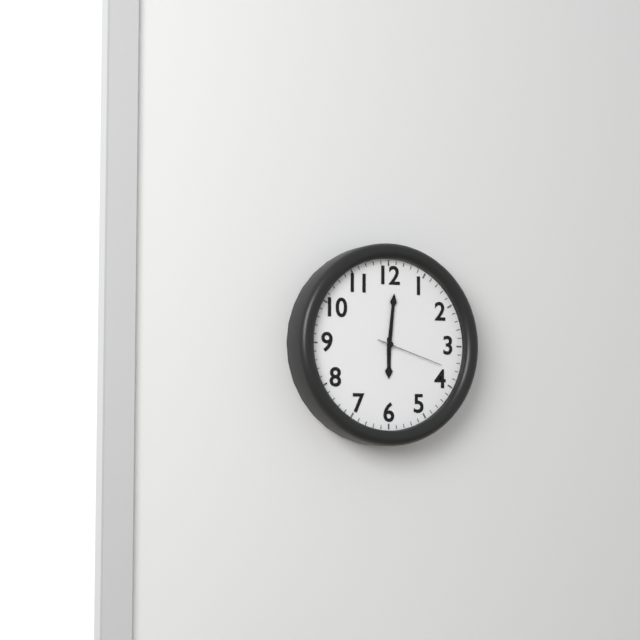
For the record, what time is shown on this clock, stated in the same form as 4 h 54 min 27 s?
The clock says 6 h 01 min 18 s
